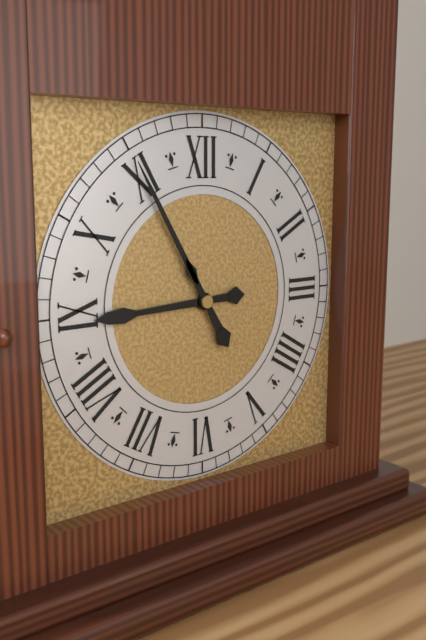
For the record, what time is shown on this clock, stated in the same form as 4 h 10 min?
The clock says 8 h 55 min
